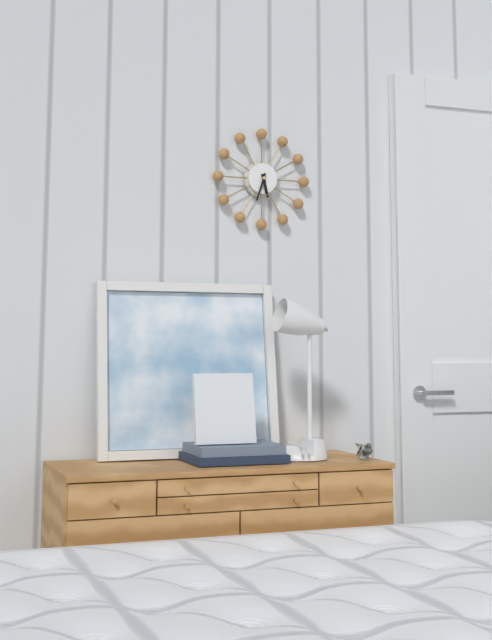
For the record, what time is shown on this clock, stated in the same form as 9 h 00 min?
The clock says 5 h 33 min
